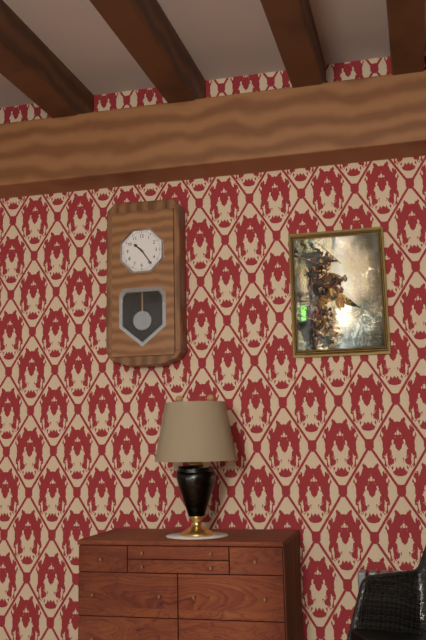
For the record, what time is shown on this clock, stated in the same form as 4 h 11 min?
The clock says 10 h 24 min
